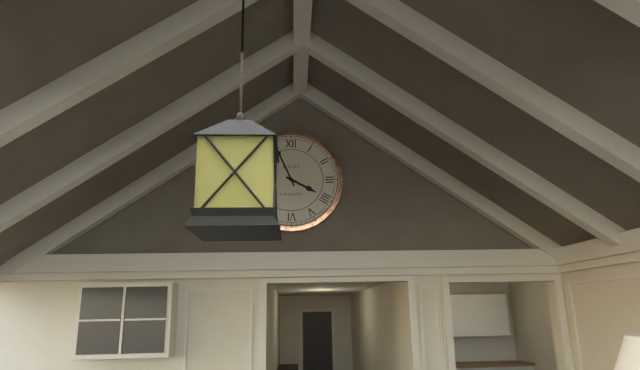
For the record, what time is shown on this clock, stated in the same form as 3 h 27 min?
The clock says 3 h 56 min
